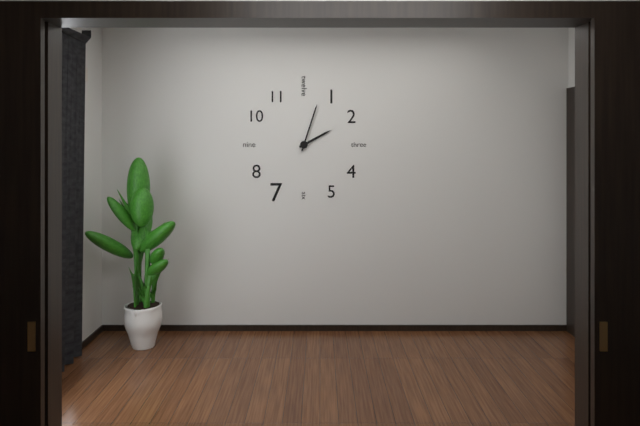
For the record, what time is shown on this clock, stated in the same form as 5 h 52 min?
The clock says 2 h 03 min
